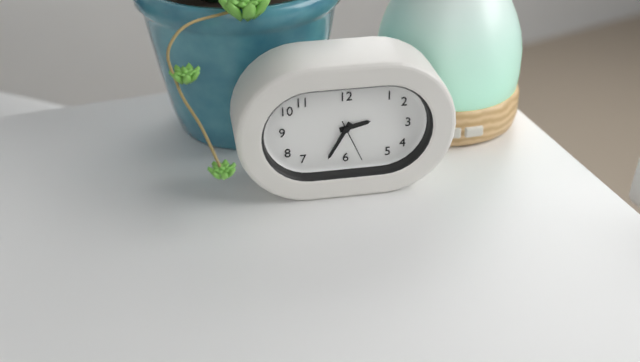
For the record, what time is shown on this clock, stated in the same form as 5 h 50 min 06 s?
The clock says 2 h 35 min 26 s
